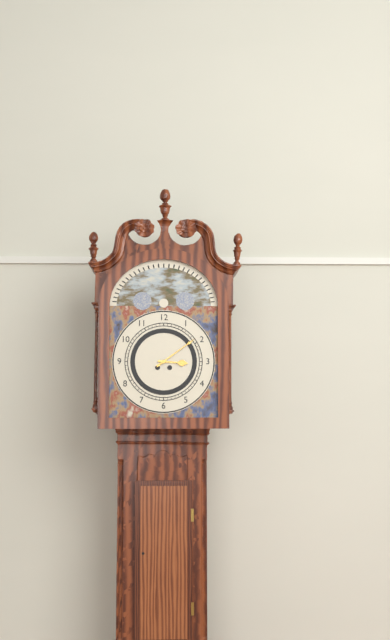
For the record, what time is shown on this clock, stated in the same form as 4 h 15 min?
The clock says 3 h 09 min
